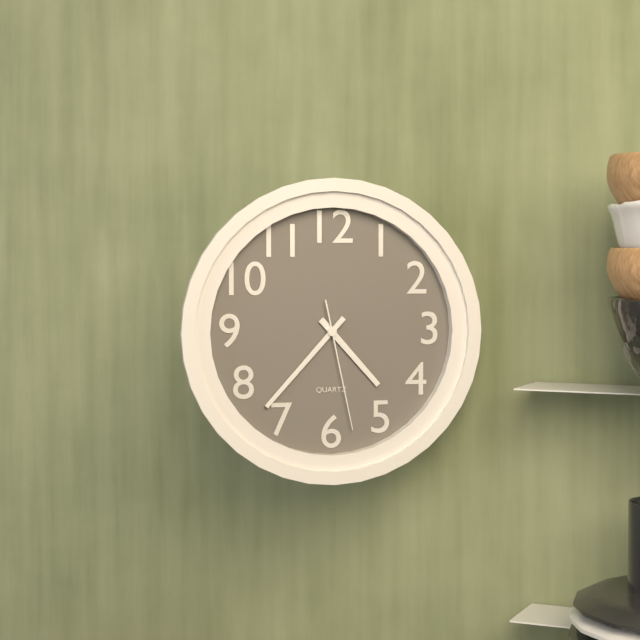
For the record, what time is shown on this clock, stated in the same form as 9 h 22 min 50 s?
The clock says 4 h 37 min 28 s
